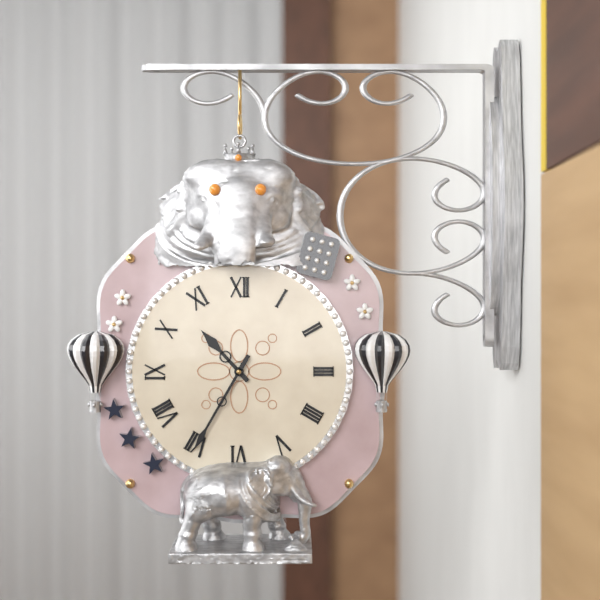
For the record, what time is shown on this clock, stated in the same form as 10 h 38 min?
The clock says 10 h 35 min
